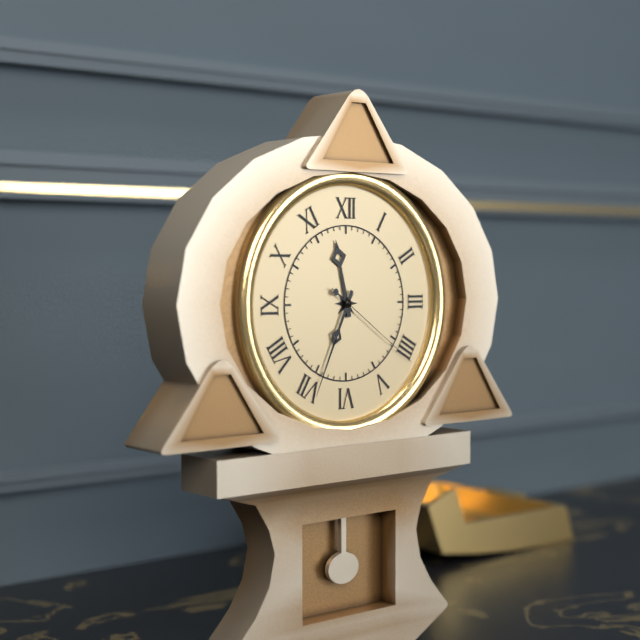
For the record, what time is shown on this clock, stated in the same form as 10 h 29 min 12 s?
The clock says 11 h 34 min 21 s
